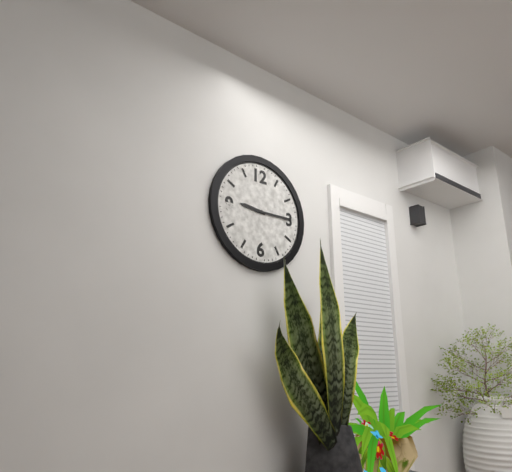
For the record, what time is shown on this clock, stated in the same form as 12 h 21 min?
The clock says 9 h 15 min
